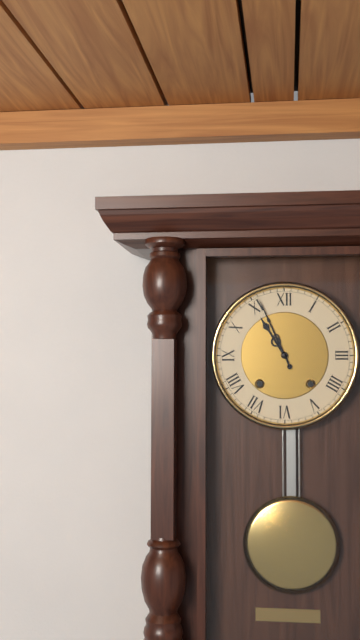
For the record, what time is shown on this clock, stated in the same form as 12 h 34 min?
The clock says 10 h 56 min
